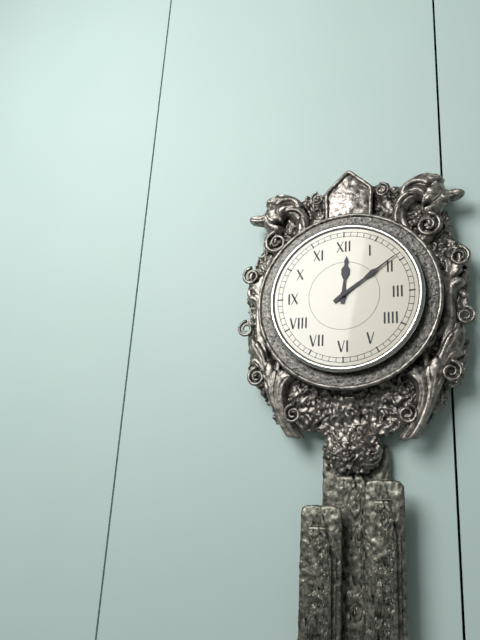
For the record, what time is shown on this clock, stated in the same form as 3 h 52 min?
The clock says 12 h 09 min
